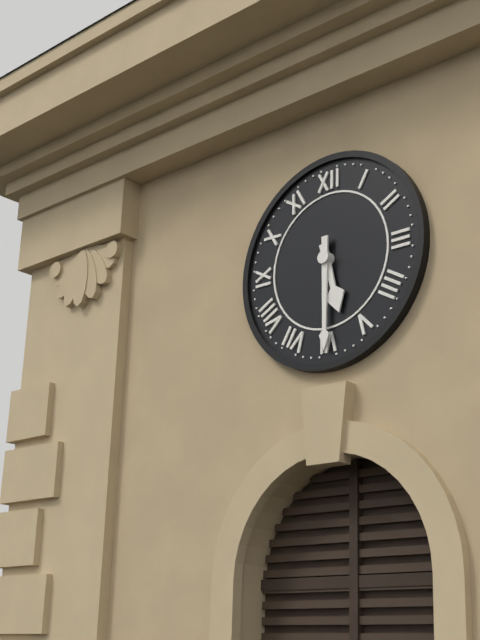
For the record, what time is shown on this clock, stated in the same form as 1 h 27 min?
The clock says 5 h 30 min
